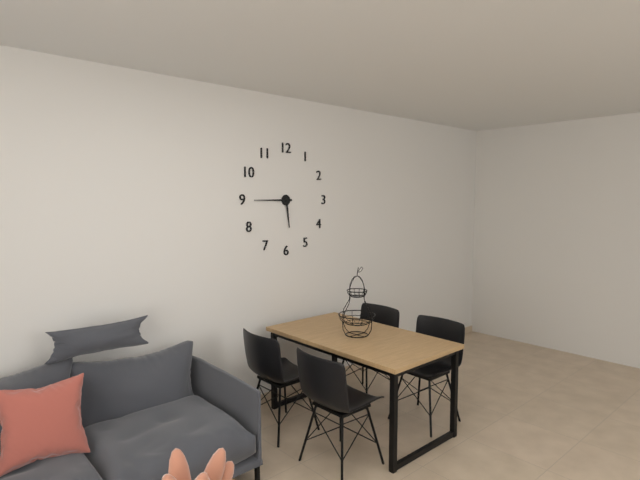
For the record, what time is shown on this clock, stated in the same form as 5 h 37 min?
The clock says 5 h 45 min
